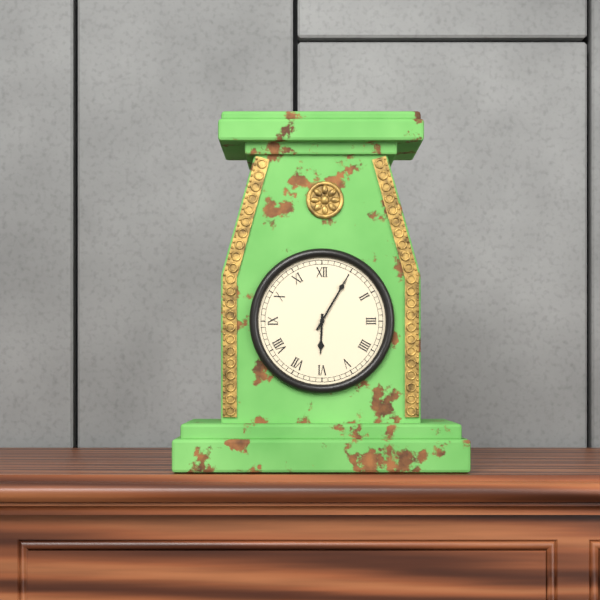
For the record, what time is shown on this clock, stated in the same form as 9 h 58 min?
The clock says 6 h 05 min
